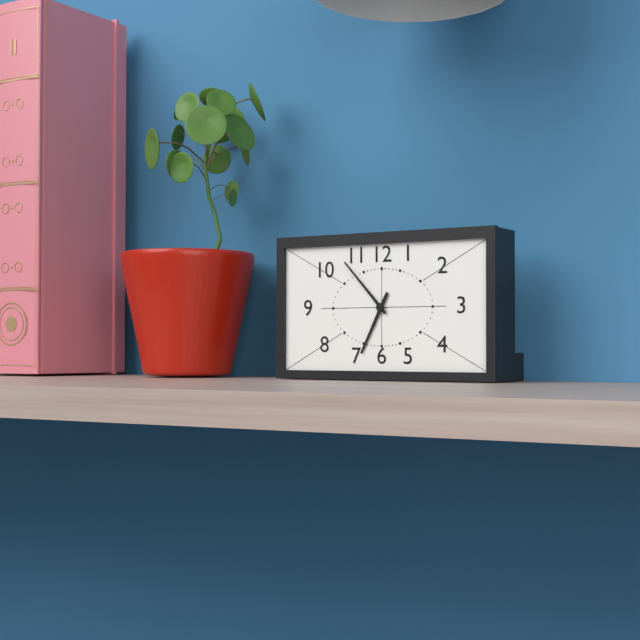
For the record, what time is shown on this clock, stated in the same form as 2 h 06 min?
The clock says 6 h 53 min
